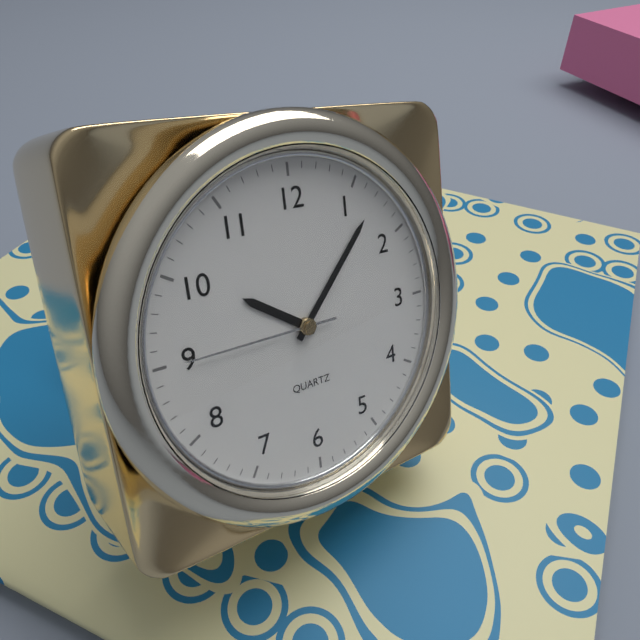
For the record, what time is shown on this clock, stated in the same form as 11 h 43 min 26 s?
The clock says 10 h 07 min 45 s
